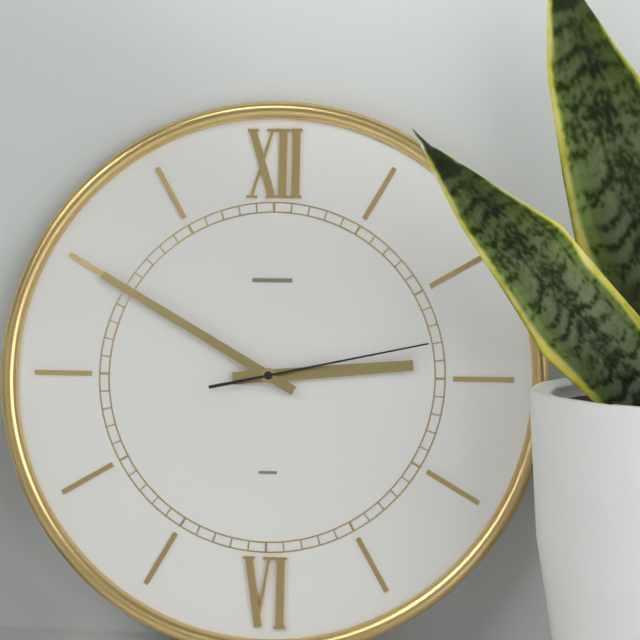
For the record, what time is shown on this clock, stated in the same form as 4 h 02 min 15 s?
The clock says 2 h 50 min 13 s
